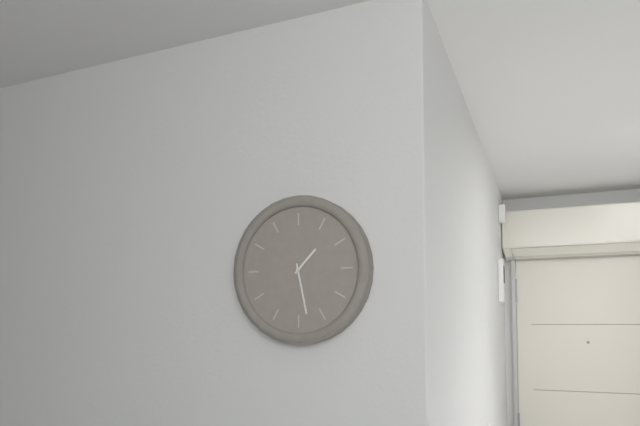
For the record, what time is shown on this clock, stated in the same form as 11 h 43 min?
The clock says 1 h 28 min
